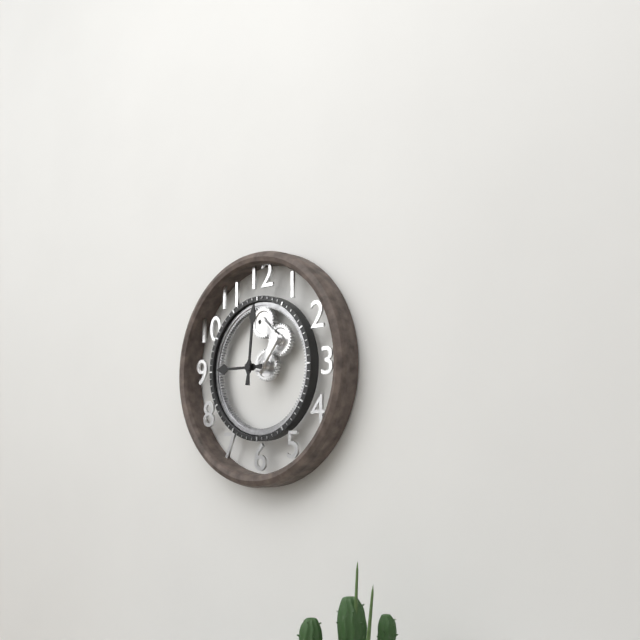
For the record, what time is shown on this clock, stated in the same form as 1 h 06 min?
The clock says 9 h 01 min
